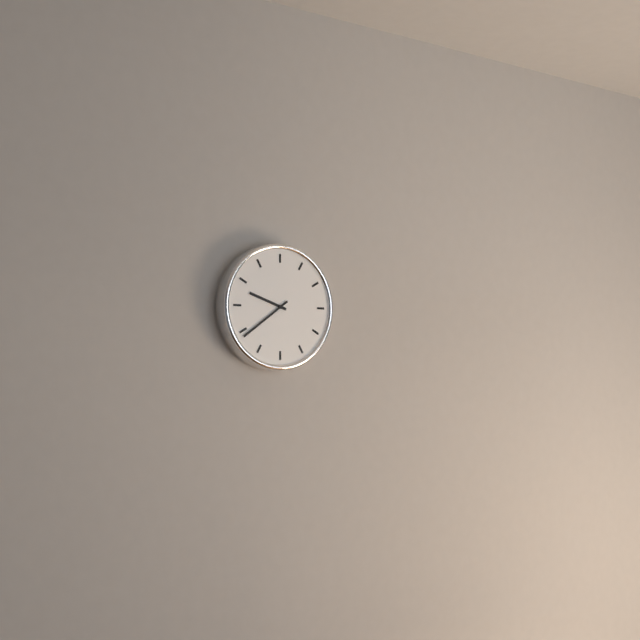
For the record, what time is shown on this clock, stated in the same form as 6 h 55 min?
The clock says 9 h 39 min
